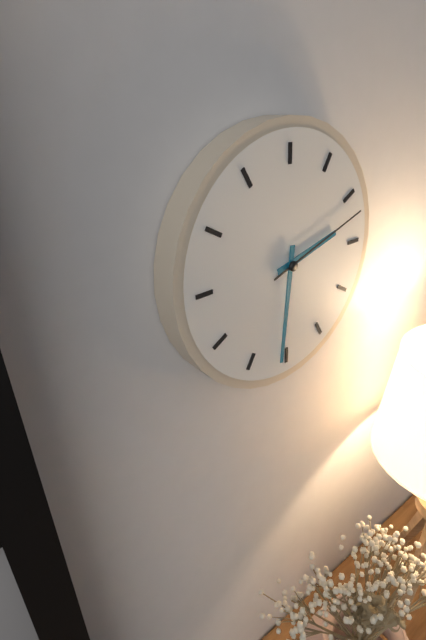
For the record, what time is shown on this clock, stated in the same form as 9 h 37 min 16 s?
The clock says 2 h 31 min 12 s
